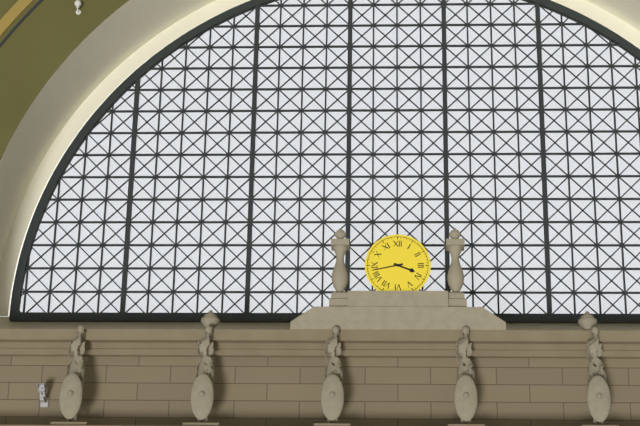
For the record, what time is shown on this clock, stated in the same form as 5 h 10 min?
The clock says 3 h 43 min
